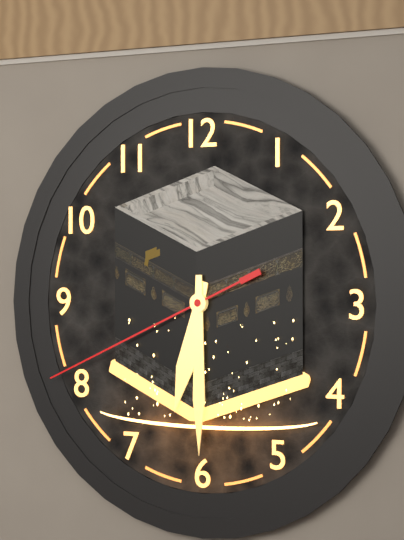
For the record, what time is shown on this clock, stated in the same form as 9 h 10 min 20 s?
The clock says 6 h 30 min 41 s
